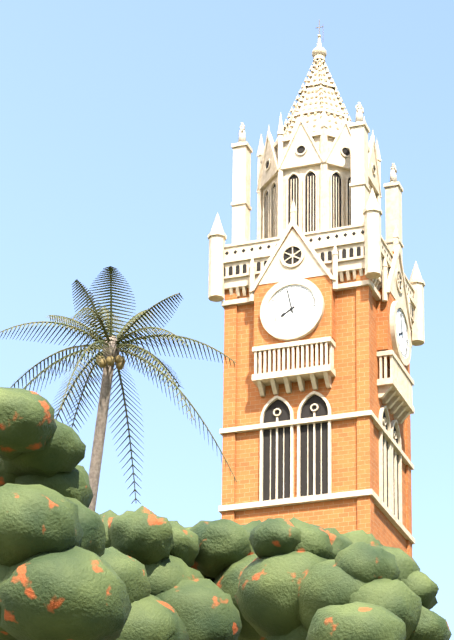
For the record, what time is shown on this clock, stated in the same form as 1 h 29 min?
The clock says 7 h 58 min
